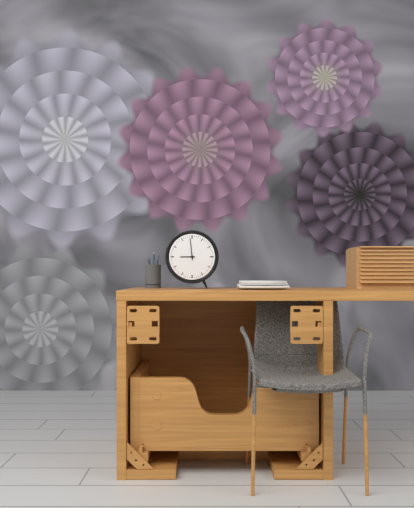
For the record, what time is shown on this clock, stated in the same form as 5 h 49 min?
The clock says 8 h 59 min
